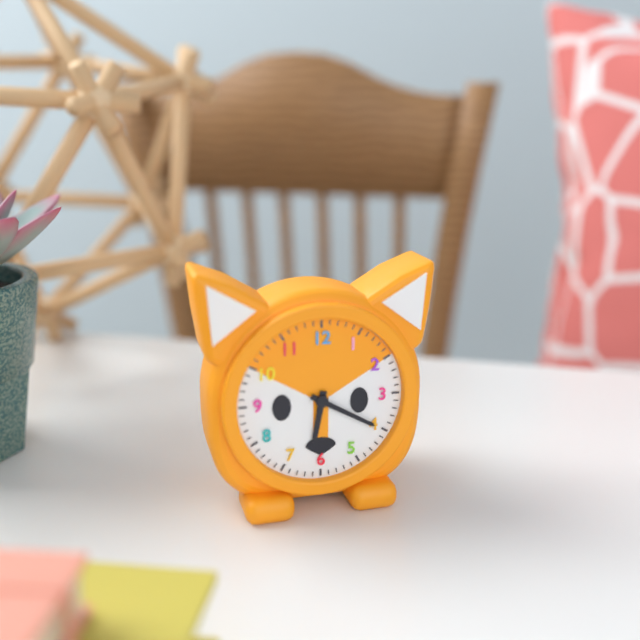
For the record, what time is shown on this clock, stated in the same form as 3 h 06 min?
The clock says 6 h 20 min
